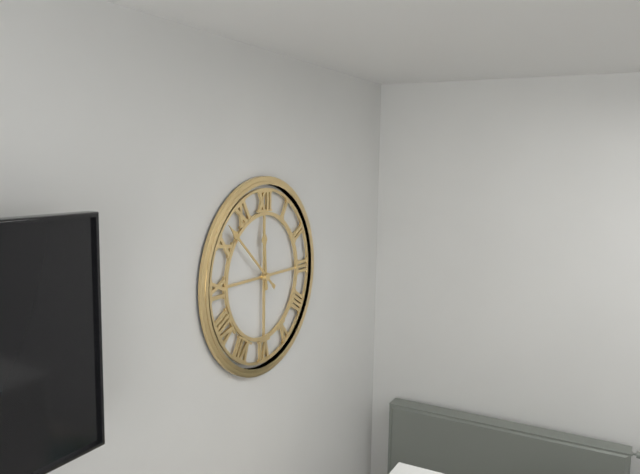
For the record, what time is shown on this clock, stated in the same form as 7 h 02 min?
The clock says 11 h 52 min
